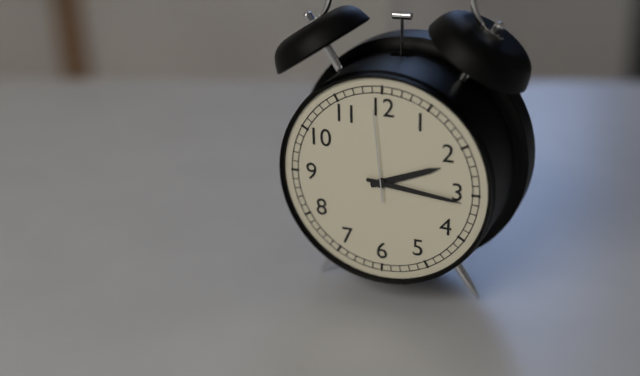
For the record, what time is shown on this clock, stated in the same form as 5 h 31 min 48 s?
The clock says 2 h 16 min 59 s
